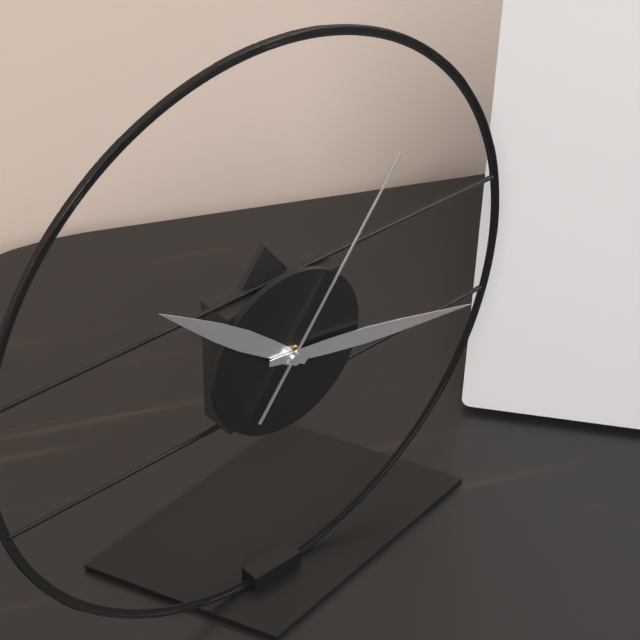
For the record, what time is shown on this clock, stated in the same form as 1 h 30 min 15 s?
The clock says 10 h 17 min 06 s
